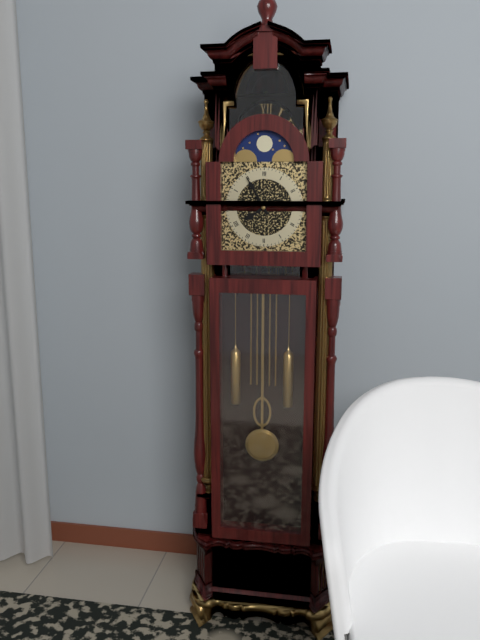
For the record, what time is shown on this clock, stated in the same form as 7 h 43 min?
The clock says 7 h 55 min
